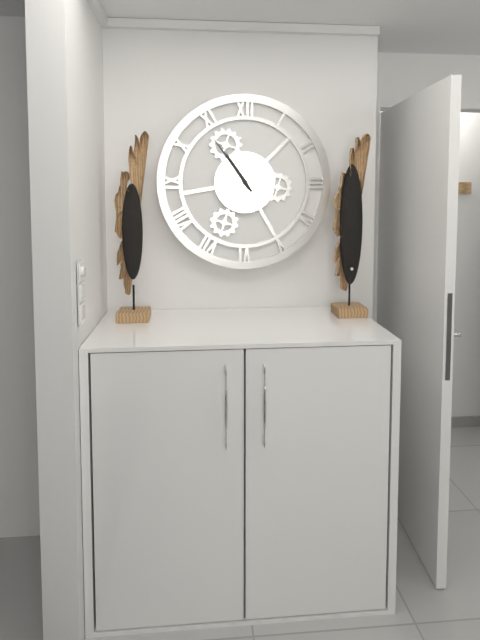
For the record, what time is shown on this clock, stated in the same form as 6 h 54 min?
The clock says 10 h 54 min
